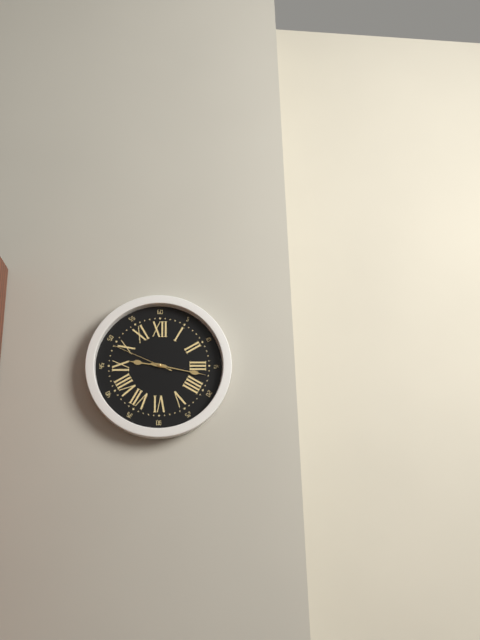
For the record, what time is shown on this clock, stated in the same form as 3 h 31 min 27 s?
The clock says 9 h 17 min 49 s
